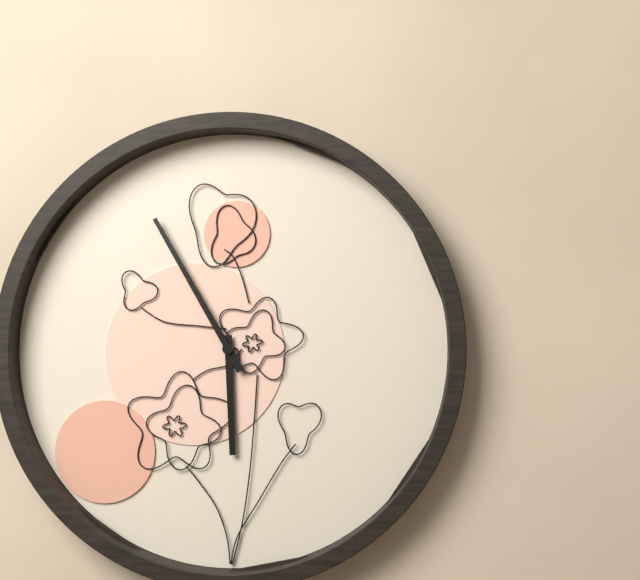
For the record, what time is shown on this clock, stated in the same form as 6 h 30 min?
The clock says 5 h 55 min
